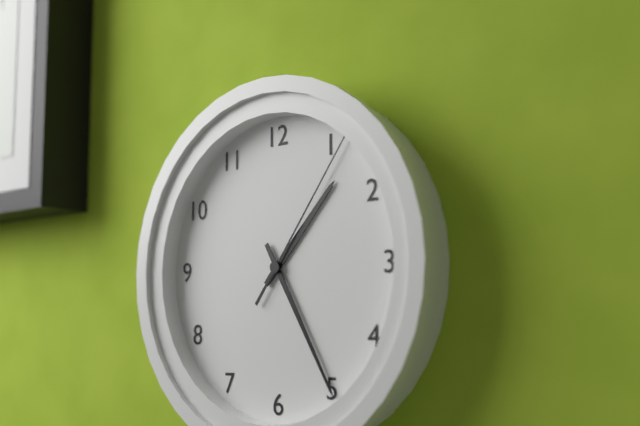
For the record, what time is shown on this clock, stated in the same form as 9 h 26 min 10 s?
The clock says 1 h 25 min 06 s
